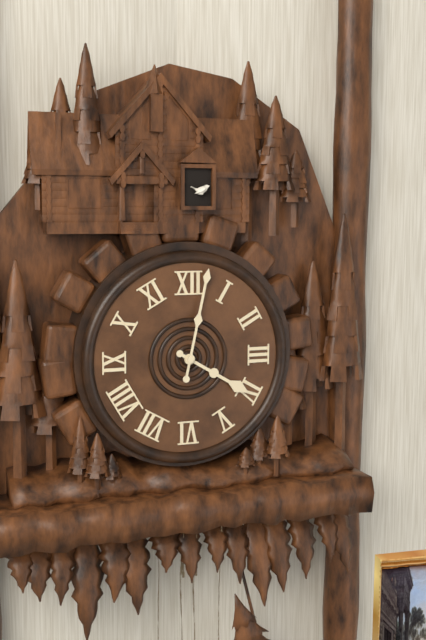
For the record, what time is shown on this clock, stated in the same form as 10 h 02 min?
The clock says 4 h 02 min
